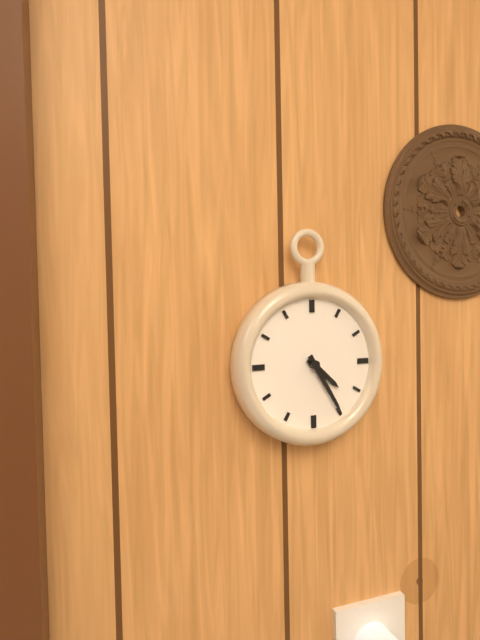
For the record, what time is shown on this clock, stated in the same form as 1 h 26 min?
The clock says 4 h 25 min
